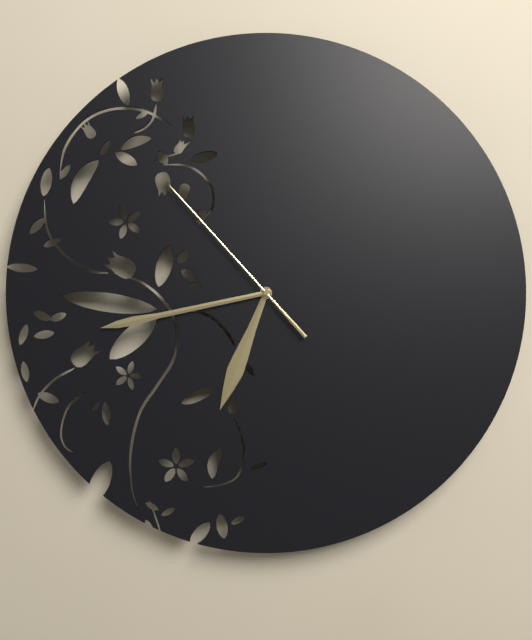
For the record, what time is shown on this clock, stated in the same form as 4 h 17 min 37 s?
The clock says 6 h 43 min 53 s
